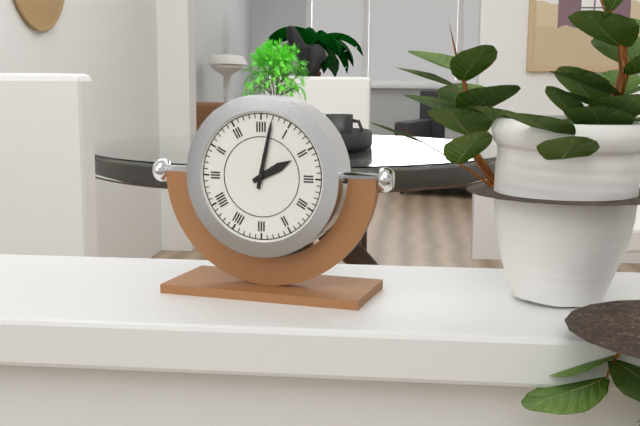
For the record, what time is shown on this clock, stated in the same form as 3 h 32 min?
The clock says 2 h 02 min
